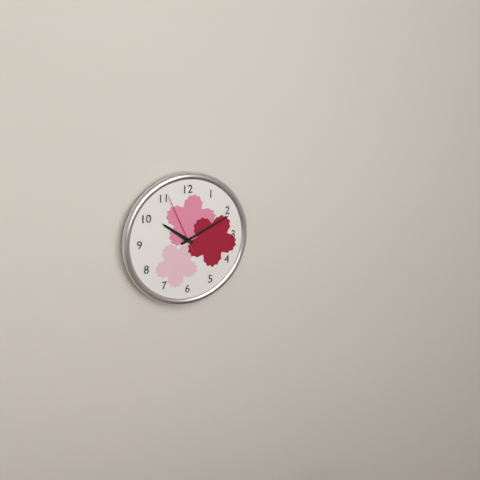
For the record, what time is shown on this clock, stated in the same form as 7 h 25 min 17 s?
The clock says 10 h 11 min 56 s
